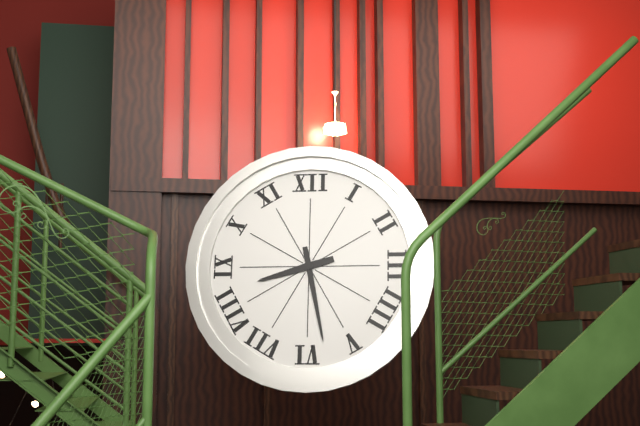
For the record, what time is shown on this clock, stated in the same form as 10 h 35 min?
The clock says 8 h 28 min
